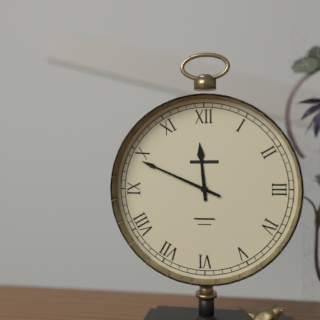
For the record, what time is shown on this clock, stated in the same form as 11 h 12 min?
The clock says 11 h 49 min
